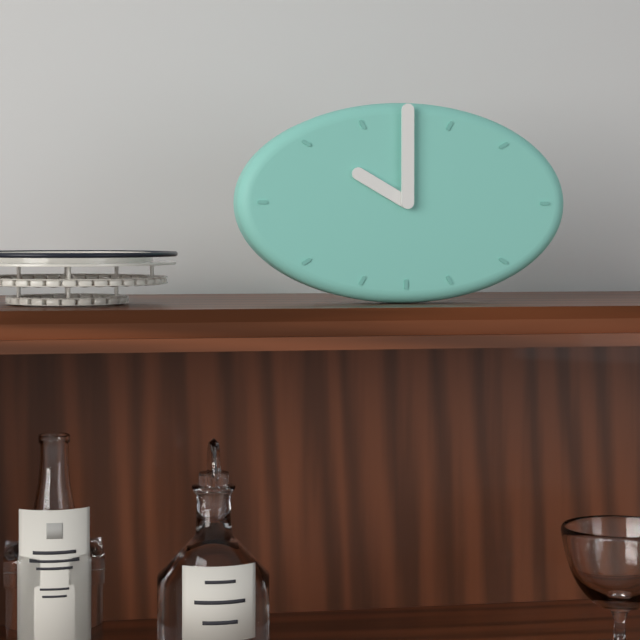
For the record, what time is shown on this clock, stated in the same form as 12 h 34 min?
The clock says 10 h 00 min
